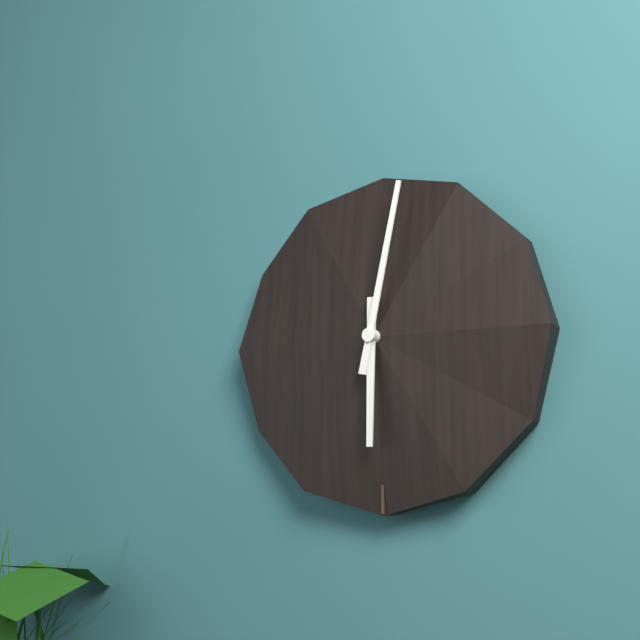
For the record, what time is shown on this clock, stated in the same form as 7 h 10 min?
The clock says 6 h 02 min
